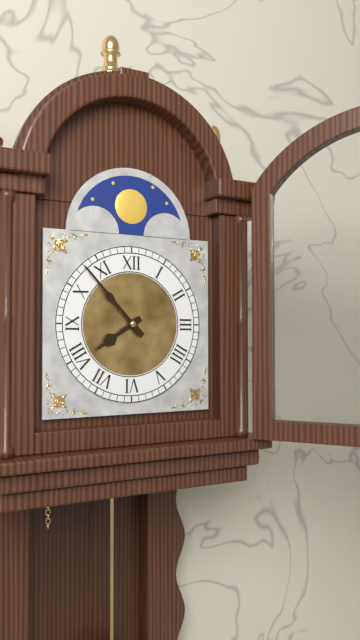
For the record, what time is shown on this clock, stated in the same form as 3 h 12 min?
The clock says 7 h 53 min
